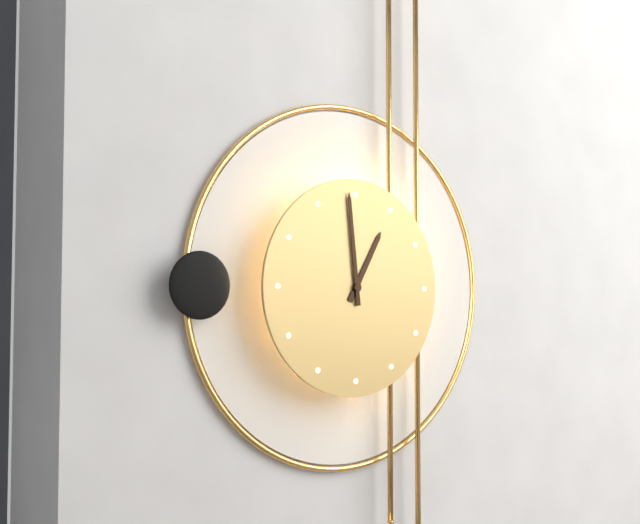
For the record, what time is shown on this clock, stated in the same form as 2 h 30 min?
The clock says 12 h 59 min
